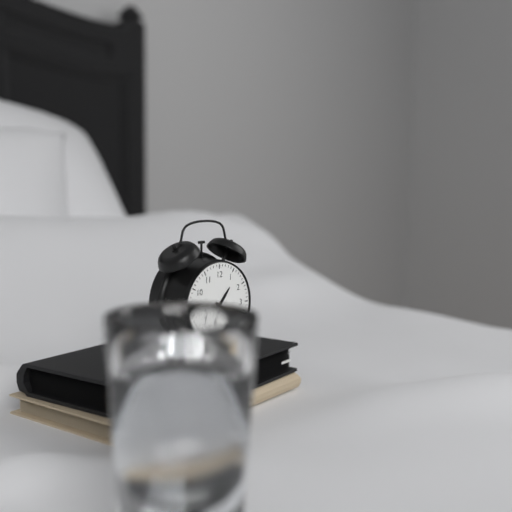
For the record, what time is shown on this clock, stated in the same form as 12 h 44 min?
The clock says 1 h 20 min
